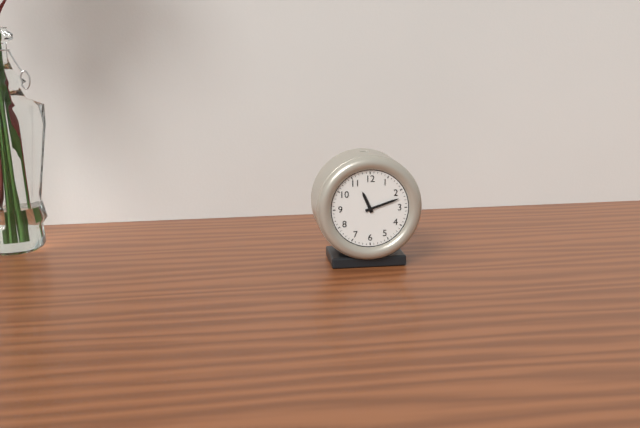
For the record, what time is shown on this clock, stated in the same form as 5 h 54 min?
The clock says 11 h 12 min
